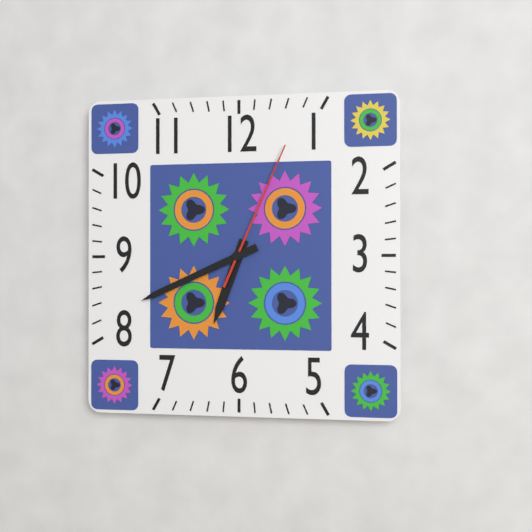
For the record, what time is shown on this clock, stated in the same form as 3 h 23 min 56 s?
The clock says 6 h 41 min 04 s
